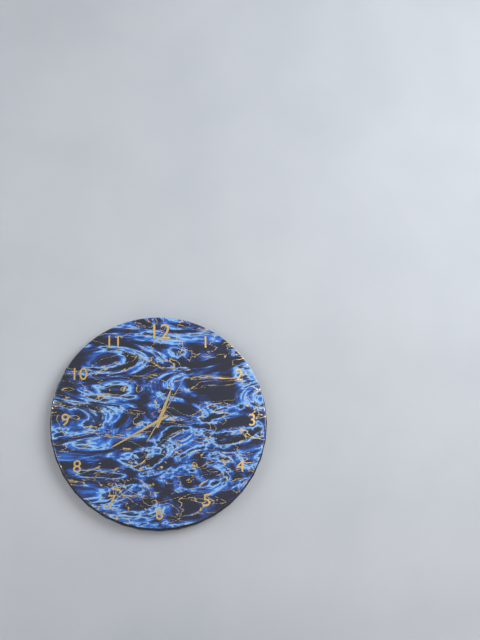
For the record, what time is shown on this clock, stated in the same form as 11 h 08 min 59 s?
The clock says 12 h 40 min 05 s
